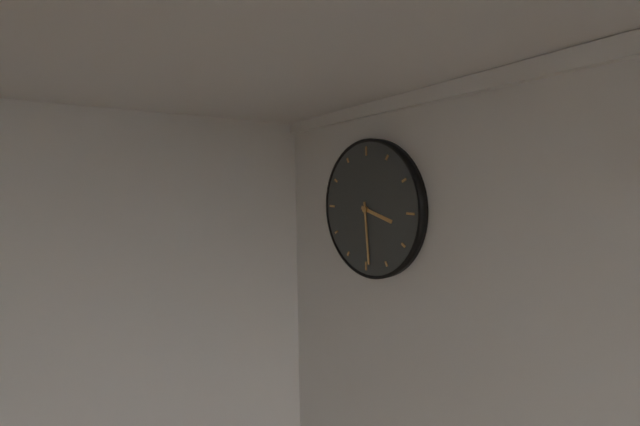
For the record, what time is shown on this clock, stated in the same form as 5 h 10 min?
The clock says 3 h 29 min
